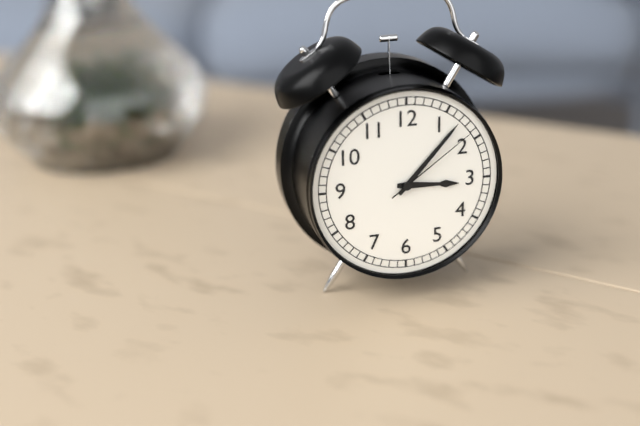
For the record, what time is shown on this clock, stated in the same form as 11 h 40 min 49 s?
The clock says 3 h 07 min 09 s
